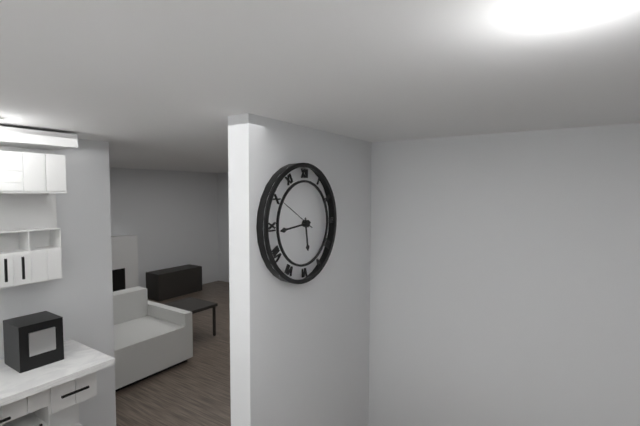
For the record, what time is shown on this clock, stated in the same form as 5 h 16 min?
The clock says 5 h 44 min
